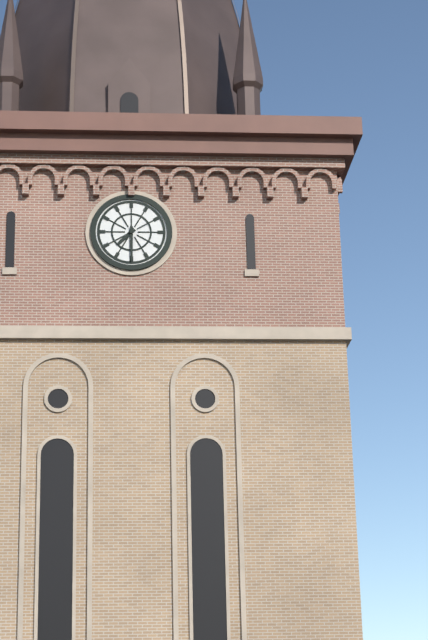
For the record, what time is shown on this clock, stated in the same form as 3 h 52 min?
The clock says 7 h 30 min
